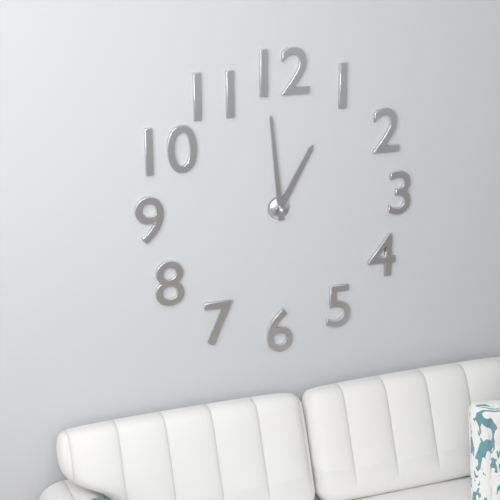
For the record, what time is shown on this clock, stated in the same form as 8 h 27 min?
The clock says 12 h 59 min
